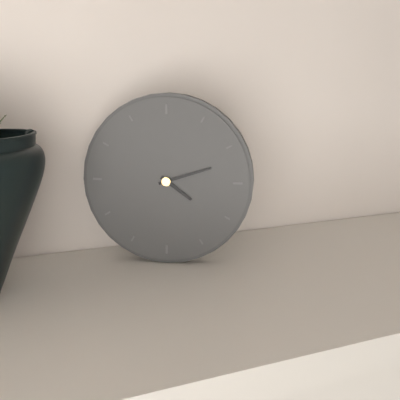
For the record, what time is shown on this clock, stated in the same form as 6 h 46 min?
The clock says 4 h 12 min
